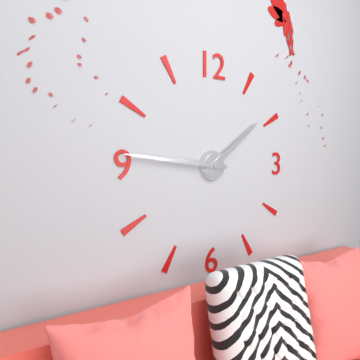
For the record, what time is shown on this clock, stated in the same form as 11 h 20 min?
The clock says 1 h 46 min
